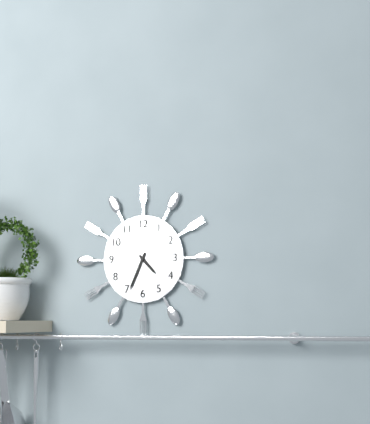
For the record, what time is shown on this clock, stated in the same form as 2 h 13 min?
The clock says 4 h 34 min
